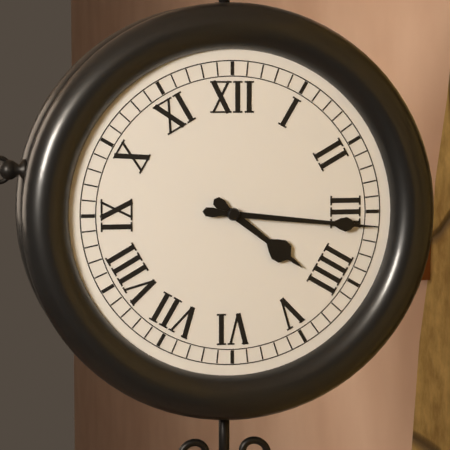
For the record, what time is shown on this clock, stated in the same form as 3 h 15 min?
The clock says 4 h 16 min
